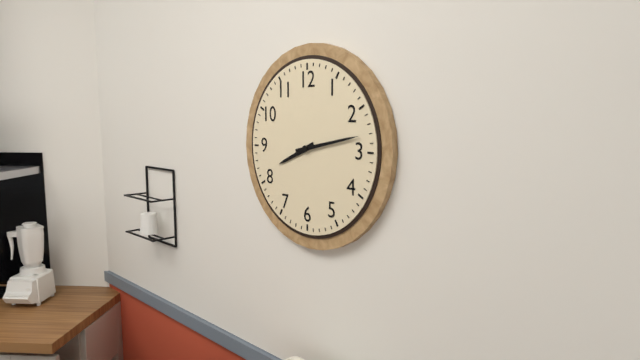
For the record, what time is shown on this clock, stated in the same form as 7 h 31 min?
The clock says 8 h 13 min
